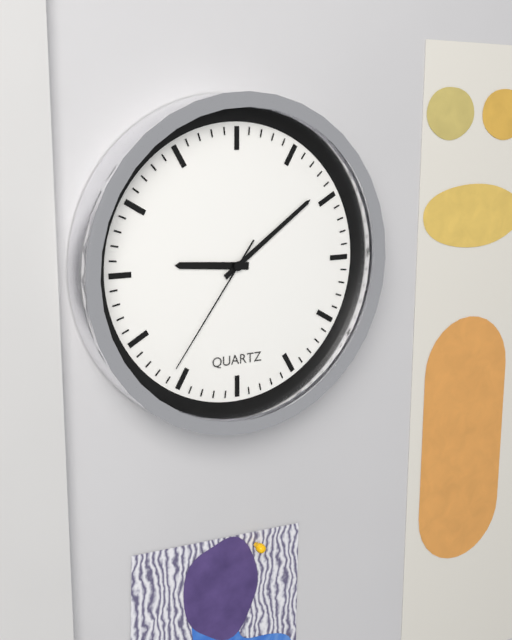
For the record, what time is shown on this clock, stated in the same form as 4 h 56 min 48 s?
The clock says 9 h 09 min 36 s
